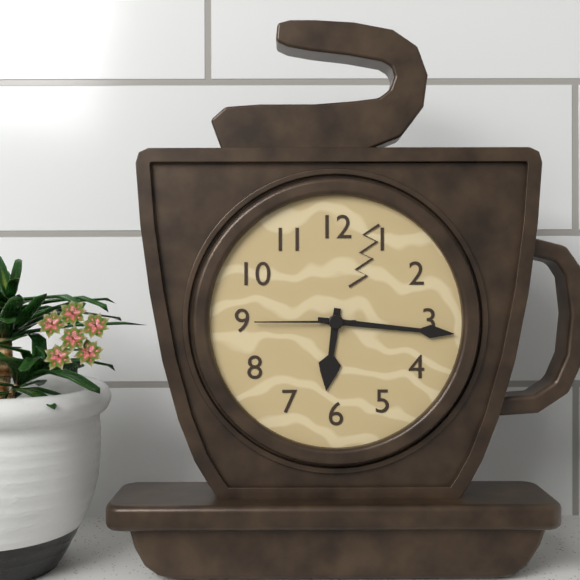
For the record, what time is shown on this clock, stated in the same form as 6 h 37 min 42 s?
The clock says 6 h 16 min 45 s
